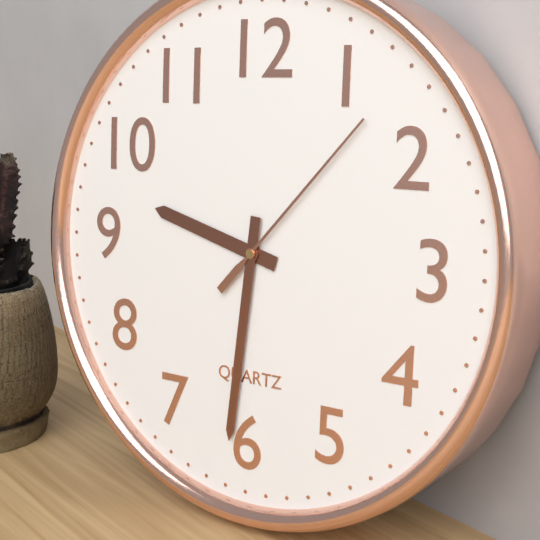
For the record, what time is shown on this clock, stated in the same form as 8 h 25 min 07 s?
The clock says 9 h 31 min 07 s
